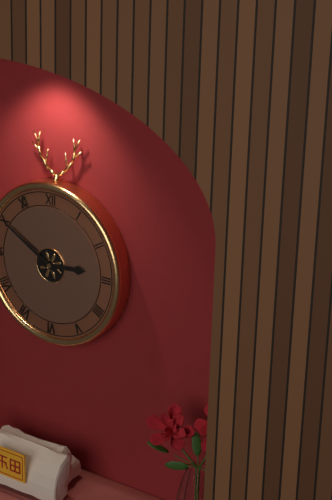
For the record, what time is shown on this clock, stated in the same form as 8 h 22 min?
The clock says 2 h 50 min
